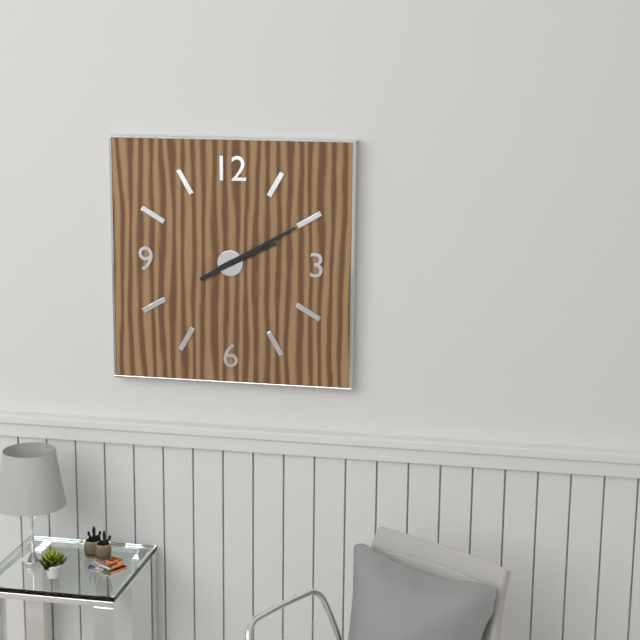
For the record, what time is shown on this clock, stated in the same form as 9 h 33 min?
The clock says 2 h 10 min
